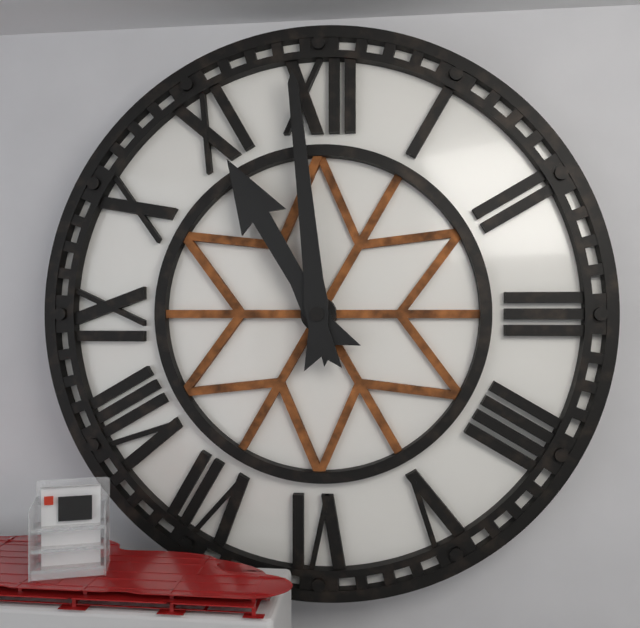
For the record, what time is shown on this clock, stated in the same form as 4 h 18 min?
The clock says 10 h 59 min
